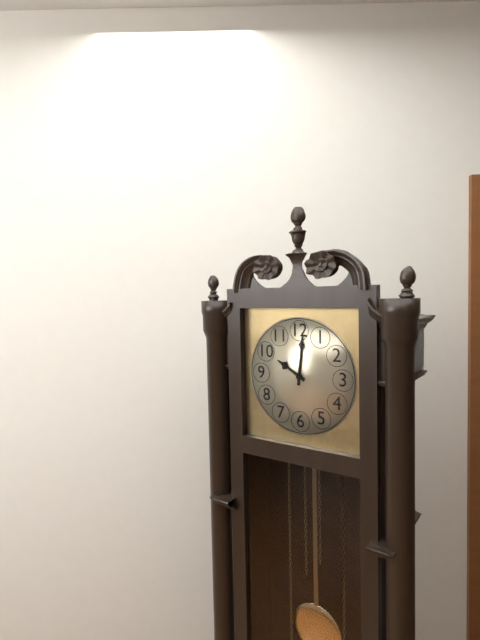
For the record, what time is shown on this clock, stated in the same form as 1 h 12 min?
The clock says 10 h 01 min
